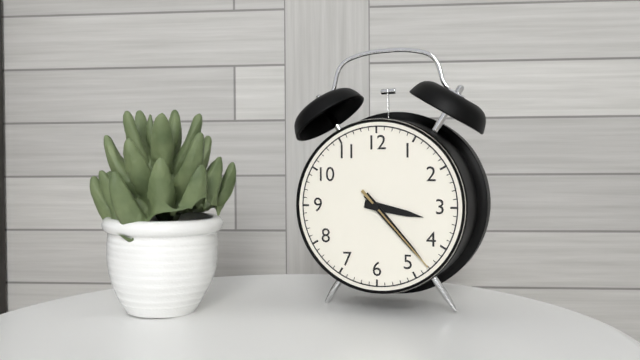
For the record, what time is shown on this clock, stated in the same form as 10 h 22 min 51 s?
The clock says 3 h 23 min 23 s
